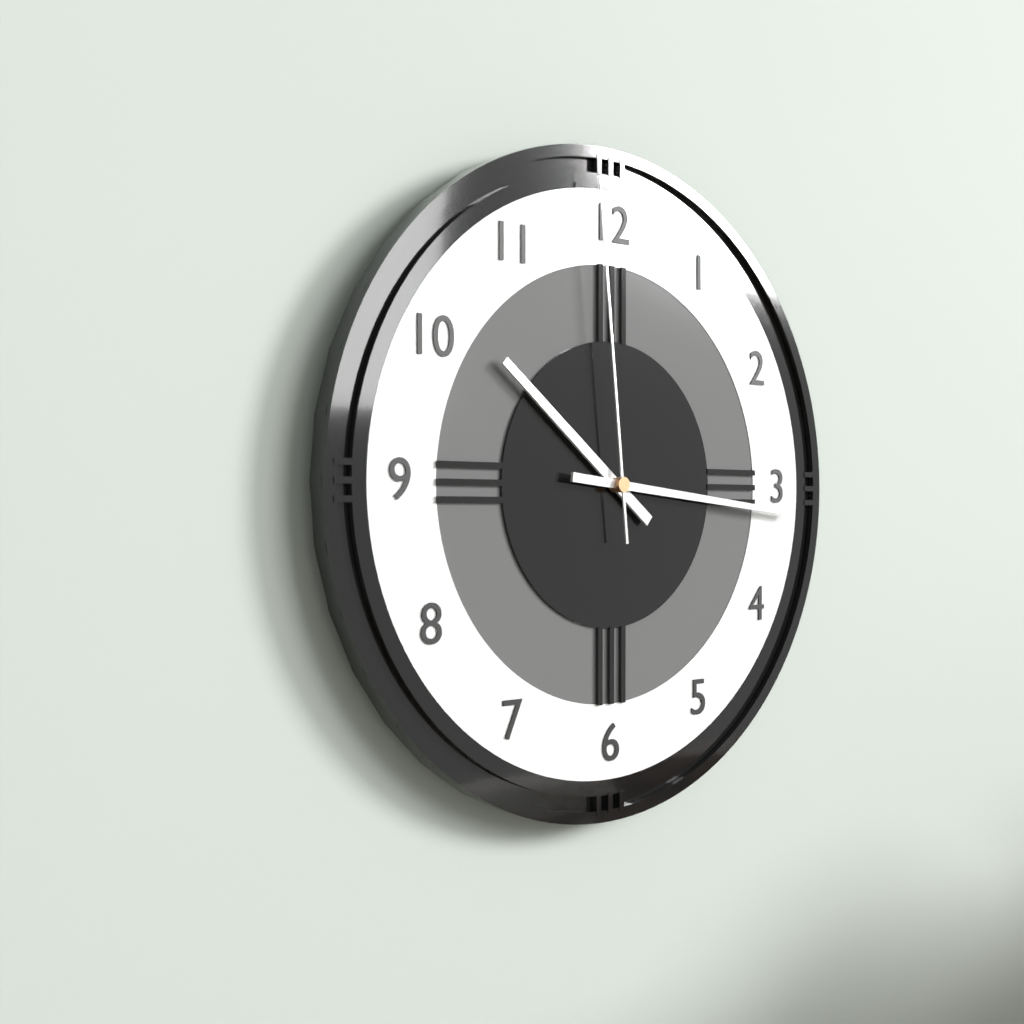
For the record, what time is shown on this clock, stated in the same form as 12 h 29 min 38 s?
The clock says 10 h 16 min 59 s
